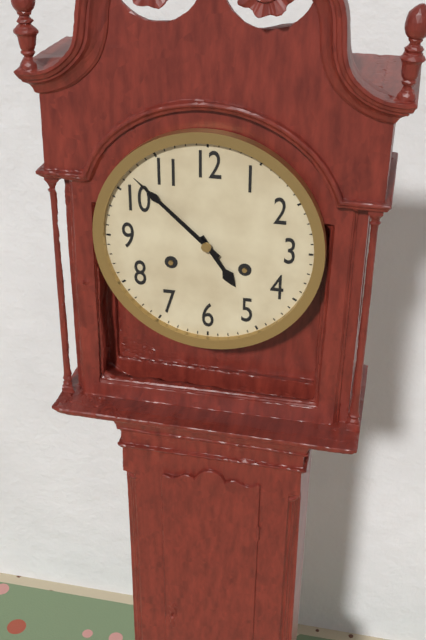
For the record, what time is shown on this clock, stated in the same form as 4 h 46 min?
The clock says 4 h 52 min
